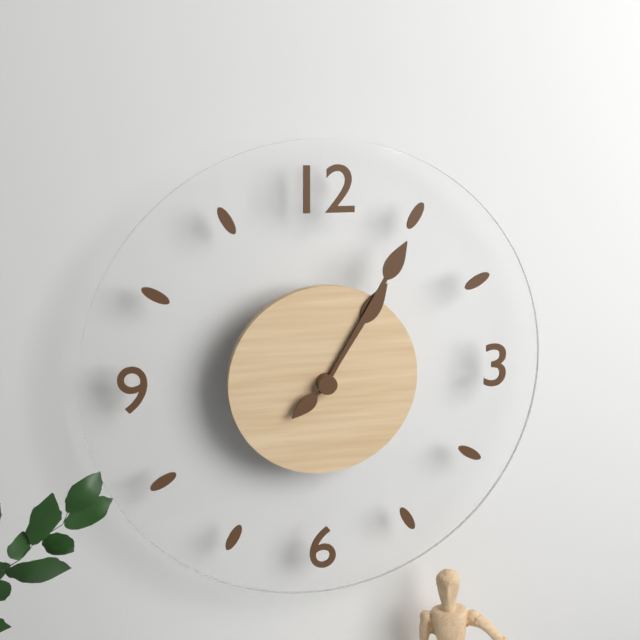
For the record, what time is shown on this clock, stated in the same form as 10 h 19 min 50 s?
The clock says 1 h 05 min 38 s
